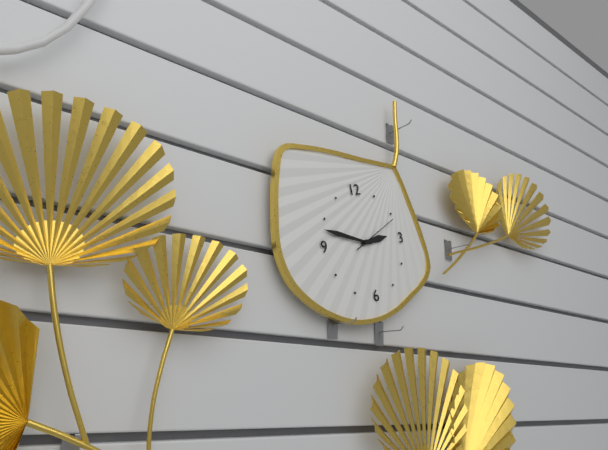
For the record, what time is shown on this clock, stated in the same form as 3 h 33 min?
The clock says 2 h 48 min
